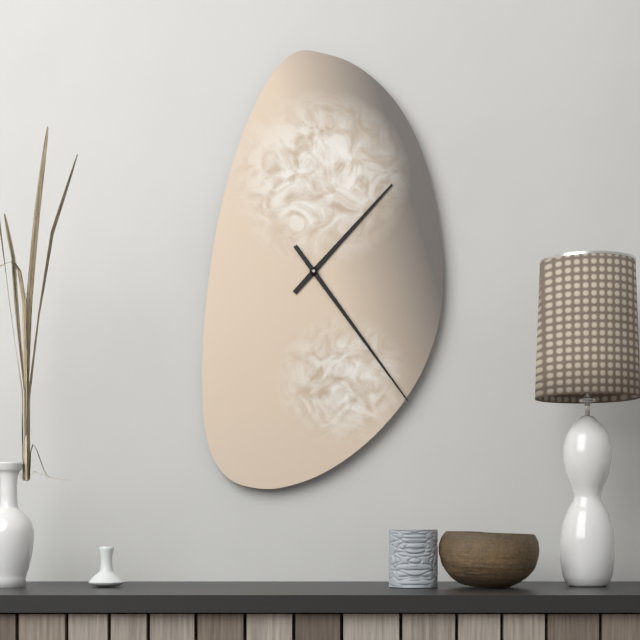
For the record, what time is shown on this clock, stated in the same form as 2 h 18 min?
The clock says 1 h 24 min
